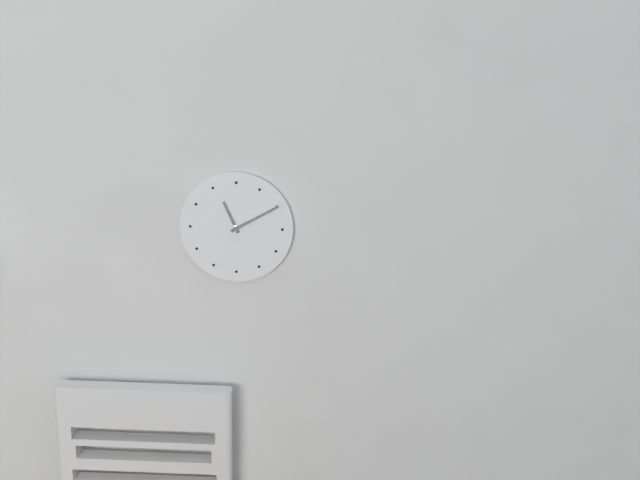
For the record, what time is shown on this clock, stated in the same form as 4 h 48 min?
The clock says 11 h 10 min
